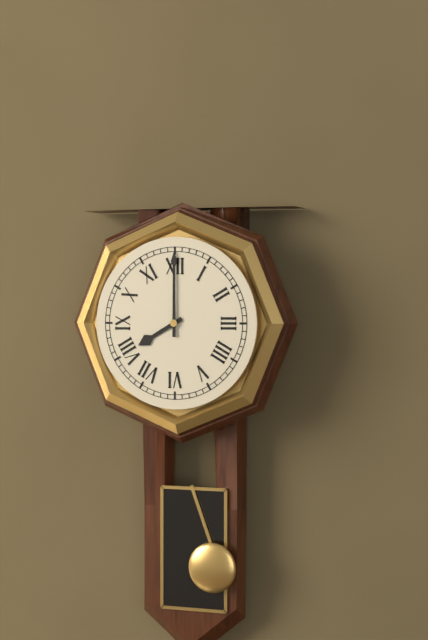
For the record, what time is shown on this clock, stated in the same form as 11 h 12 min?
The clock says 8 h 00 min
